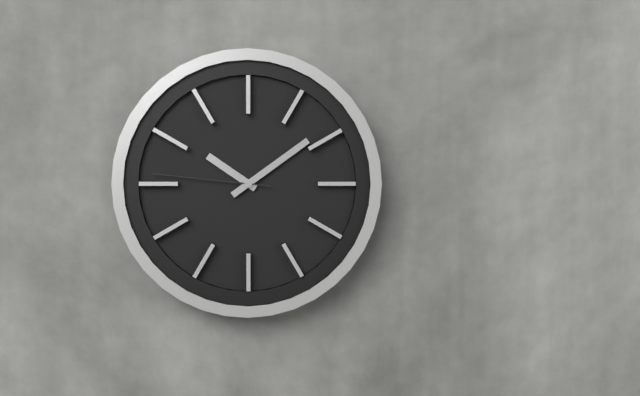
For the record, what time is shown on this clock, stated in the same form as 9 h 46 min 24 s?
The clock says 10 h 09 min 46 s
